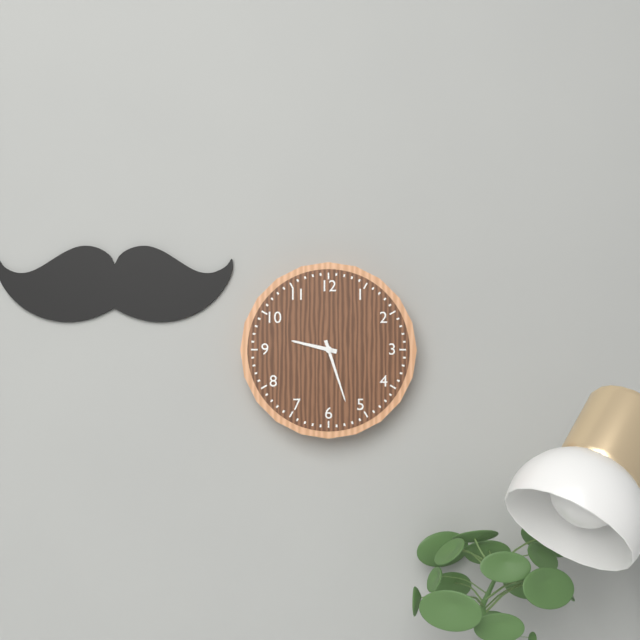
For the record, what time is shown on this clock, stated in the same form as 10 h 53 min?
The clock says 9 h 27 min
